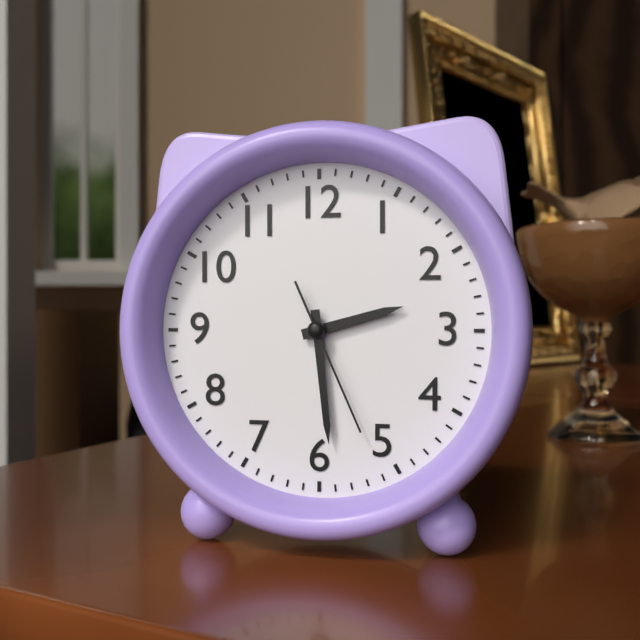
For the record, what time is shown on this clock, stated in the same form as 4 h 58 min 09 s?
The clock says 2 h 29 min 26 s
